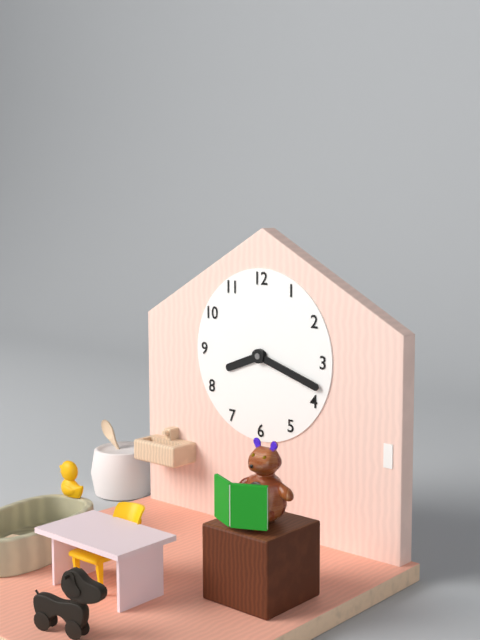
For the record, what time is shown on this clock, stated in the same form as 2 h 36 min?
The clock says 8 h 18 min
